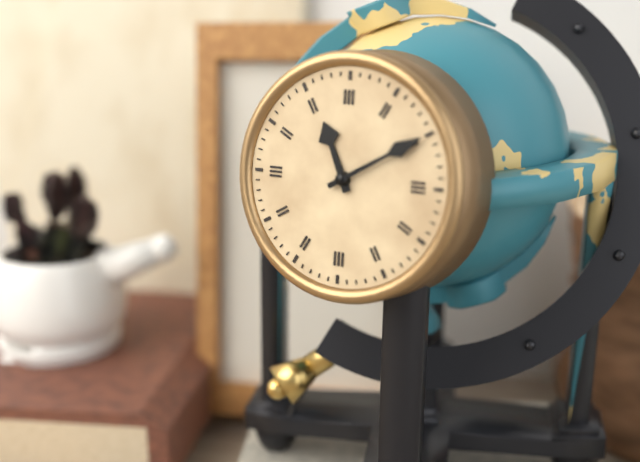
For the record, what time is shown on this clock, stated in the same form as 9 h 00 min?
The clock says 11 h 10 min
